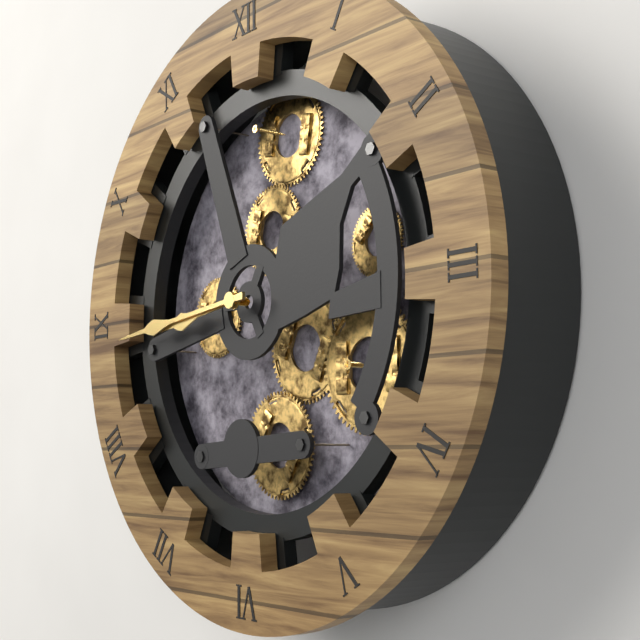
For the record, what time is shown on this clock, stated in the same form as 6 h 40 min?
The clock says 8 h 44 min
